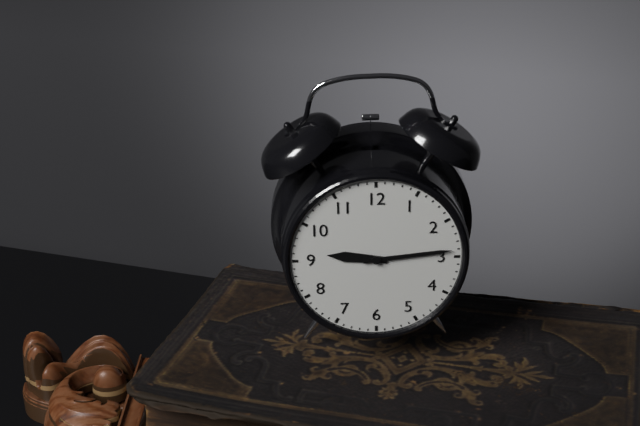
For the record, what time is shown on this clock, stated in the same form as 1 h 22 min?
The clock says 9 h 14 min
